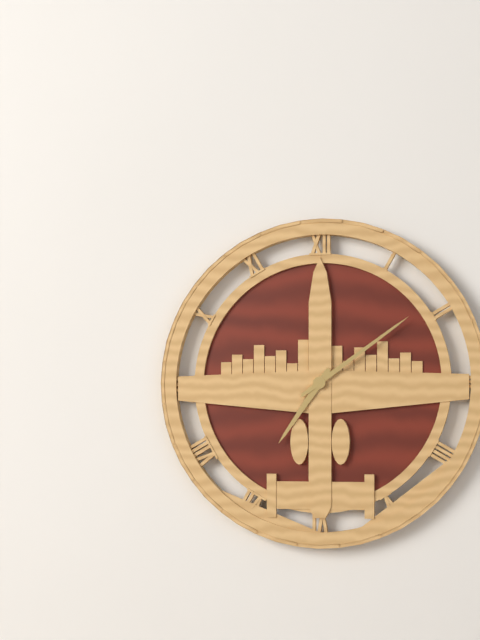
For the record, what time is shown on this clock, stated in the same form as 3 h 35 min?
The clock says 7 h 09 min
